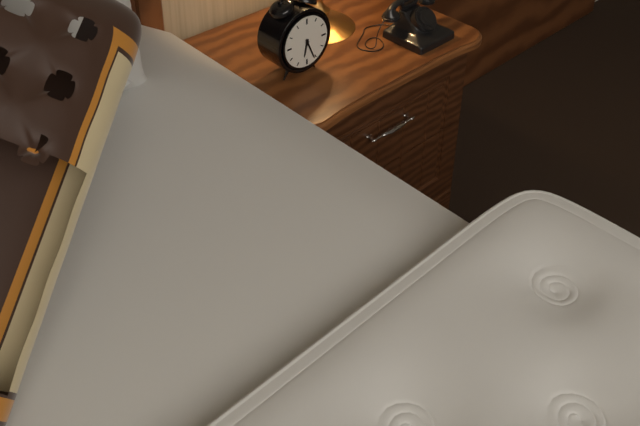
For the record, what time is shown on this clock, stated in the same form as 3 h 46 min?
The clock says 6 h 26 min
